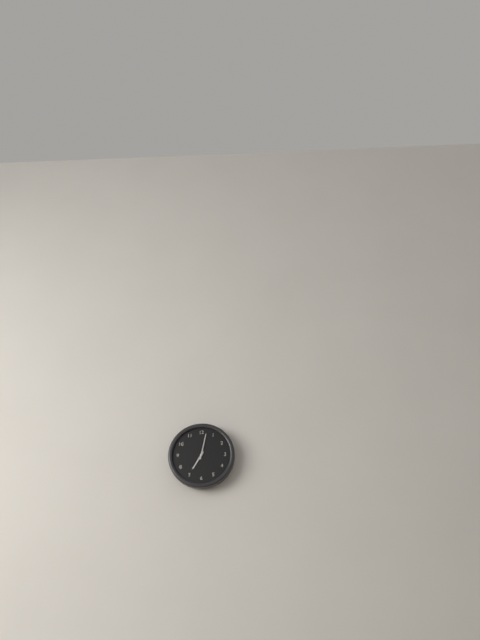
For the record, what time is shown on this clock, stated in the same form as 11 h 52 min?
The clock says 7 h 02 min
